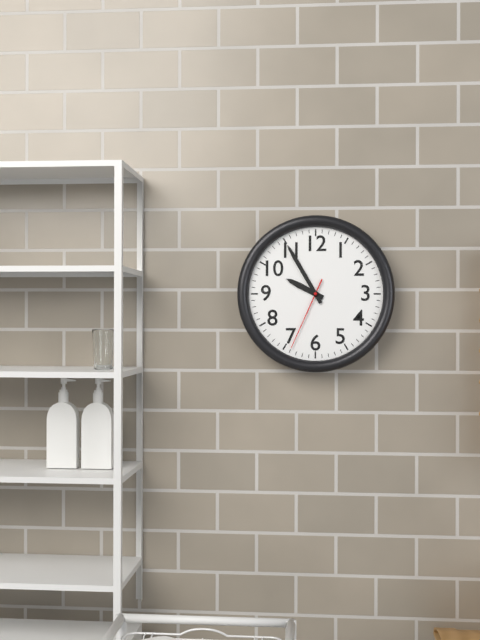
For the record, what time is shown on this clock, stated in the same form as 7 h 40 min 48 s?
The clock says 9 h 55 min 34 s
